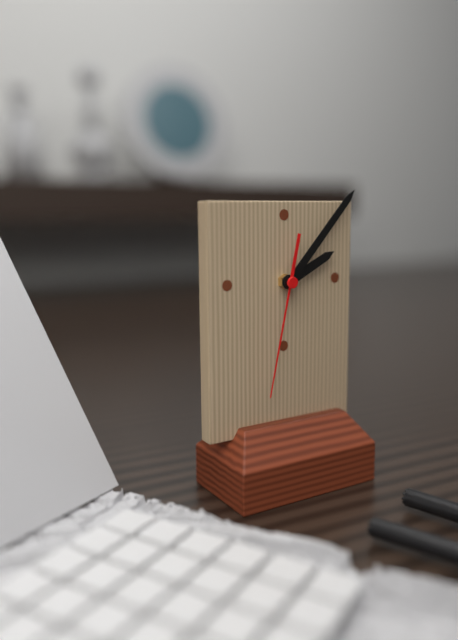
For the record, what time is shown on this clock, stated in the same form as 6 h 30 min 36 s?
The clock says 2 h 07 min 32 s
